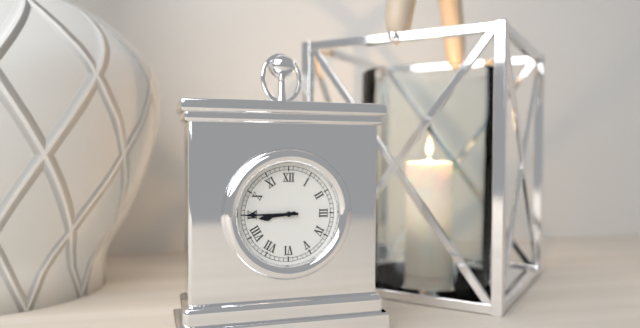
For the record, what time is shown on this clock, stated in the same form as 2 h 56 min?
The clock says 8 h 45 min
